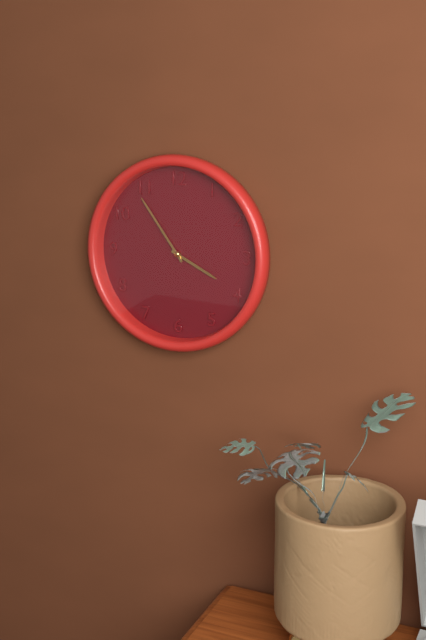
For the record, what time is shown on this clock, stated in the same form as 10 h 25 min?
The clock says 3 h 54 min
